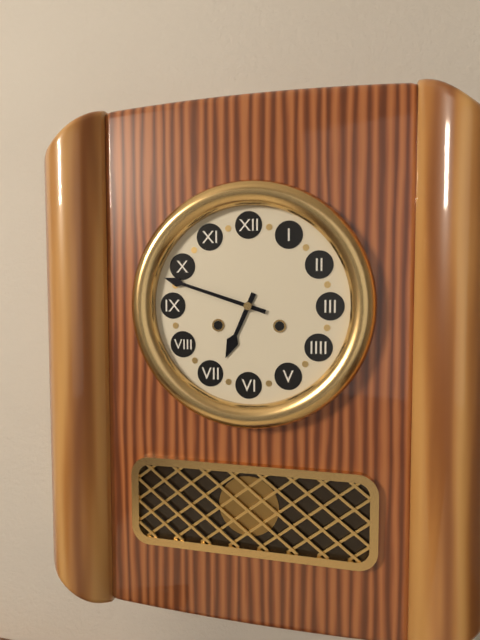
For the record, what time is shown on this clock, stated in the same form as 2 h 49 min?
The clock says 6 h 48 min
